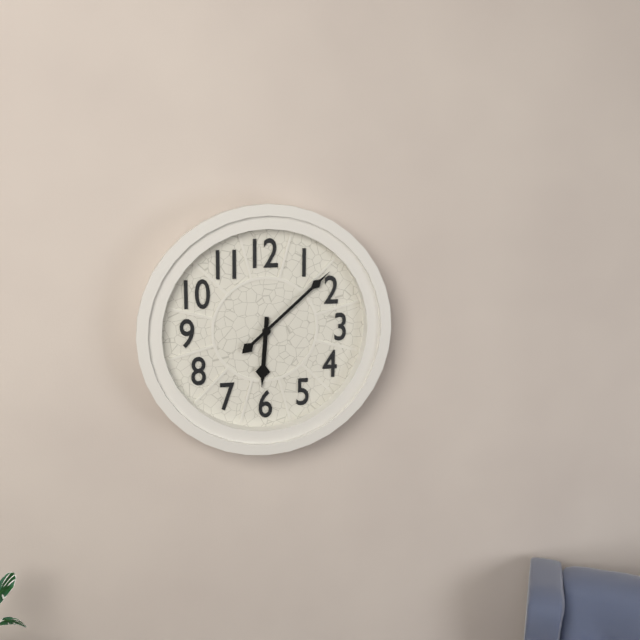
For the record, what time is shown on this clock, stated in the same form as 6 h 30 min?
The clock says 6 h 08 min
